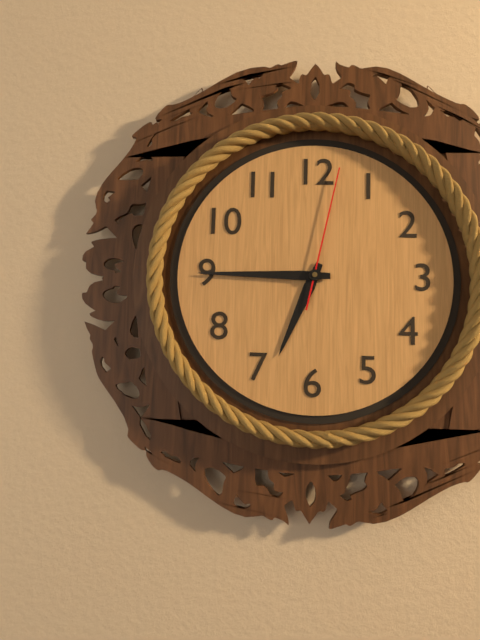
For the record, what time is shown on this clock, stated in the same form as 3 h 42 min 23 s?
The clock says 6 h 45 min 02 s
